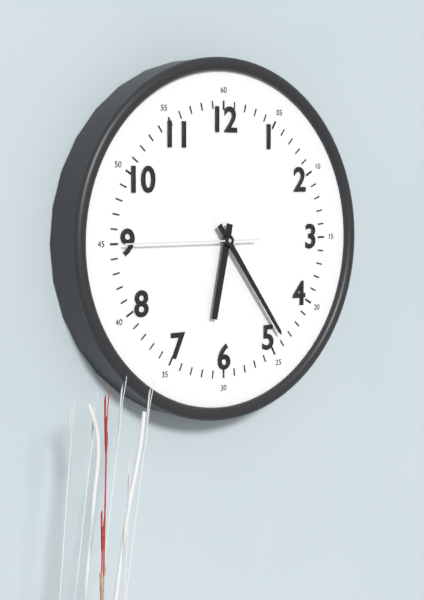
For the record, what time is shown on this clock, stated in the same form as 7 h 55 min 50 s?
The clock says 6 h 24 min 45 s
